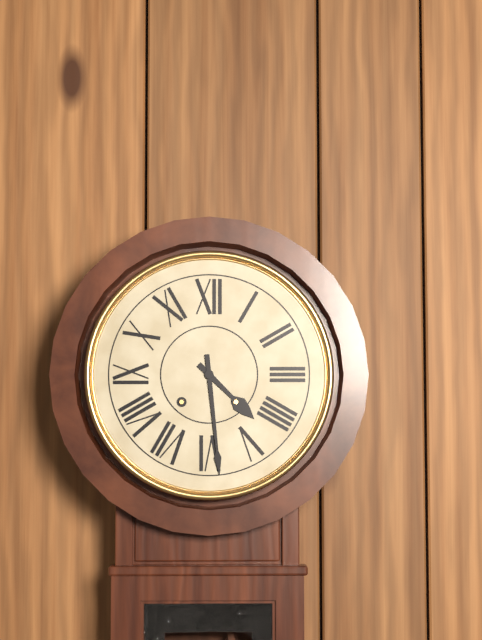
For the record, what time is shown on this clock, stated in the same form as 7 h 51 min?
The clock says 4 h 29 min
